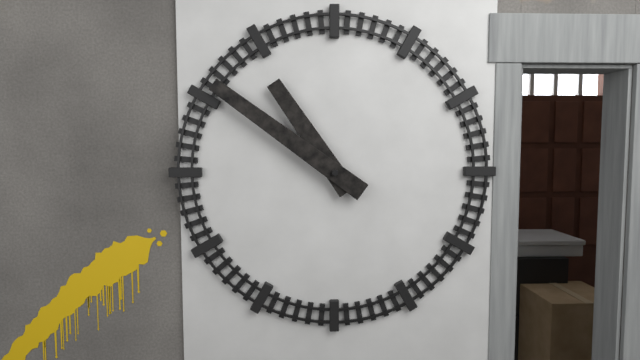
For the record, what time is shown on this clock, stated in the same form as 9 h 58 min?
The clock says 10 h 51 min
